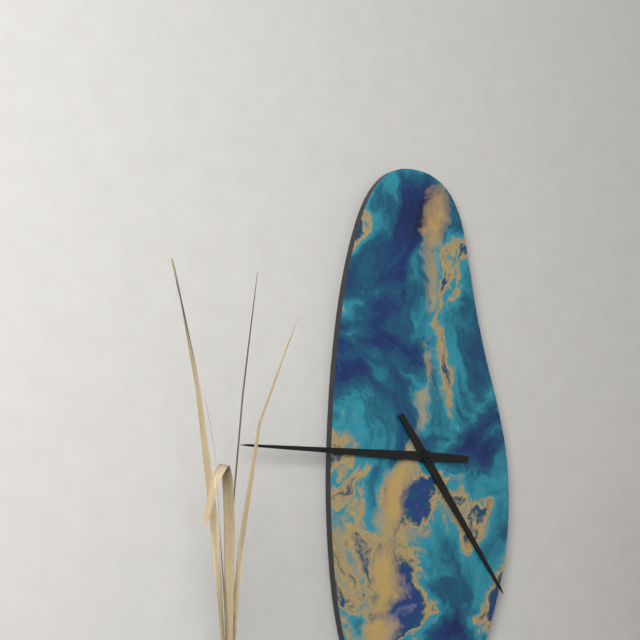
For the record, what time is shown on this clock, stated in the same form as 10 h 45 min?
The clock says 4 h 45 min
